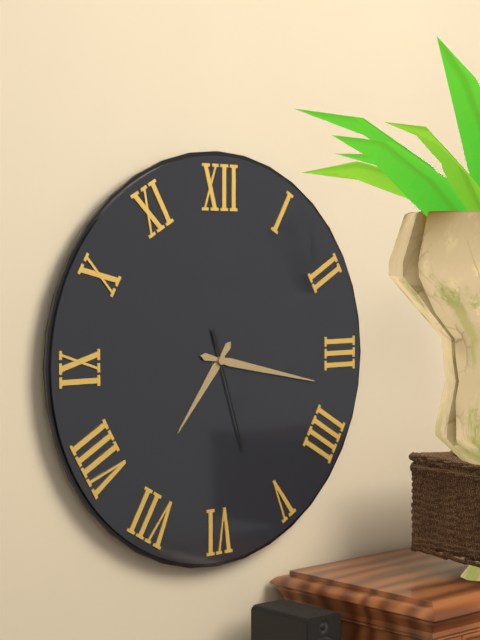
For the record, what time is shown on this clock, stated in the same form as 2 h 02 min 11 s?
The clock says 7 h 17 min 27 s
